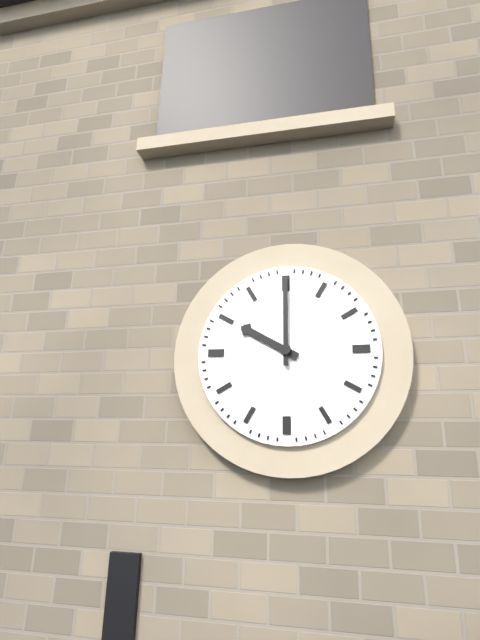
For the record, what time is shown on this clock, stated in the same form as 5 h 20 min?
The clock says 10 h 00 min
